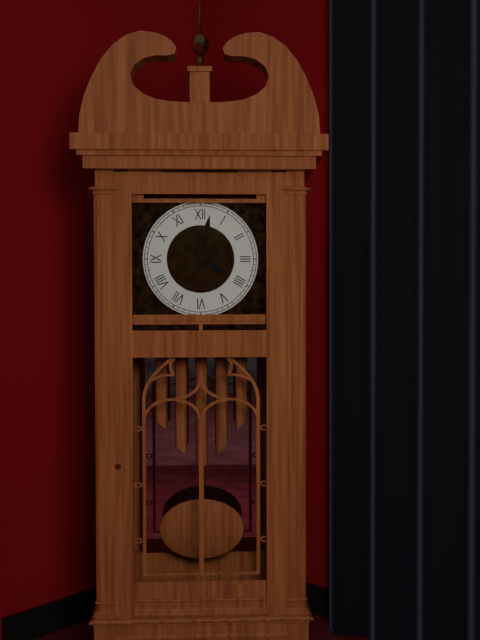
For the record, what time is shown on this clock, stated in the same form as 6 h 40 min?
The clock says 4 h 02 min
